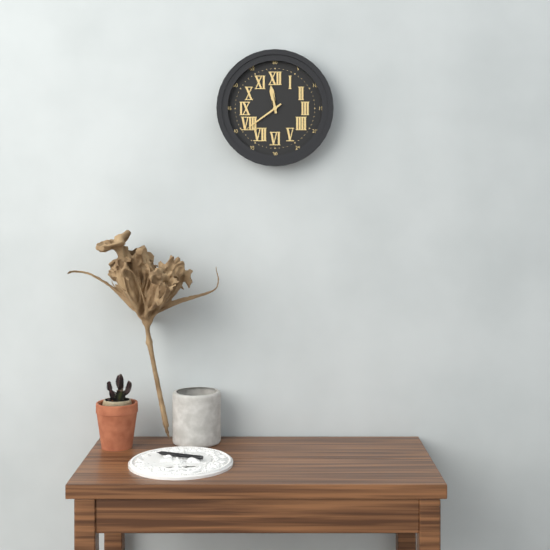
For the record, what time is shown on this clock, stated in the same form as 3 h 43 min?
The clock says 11 h 39 min
